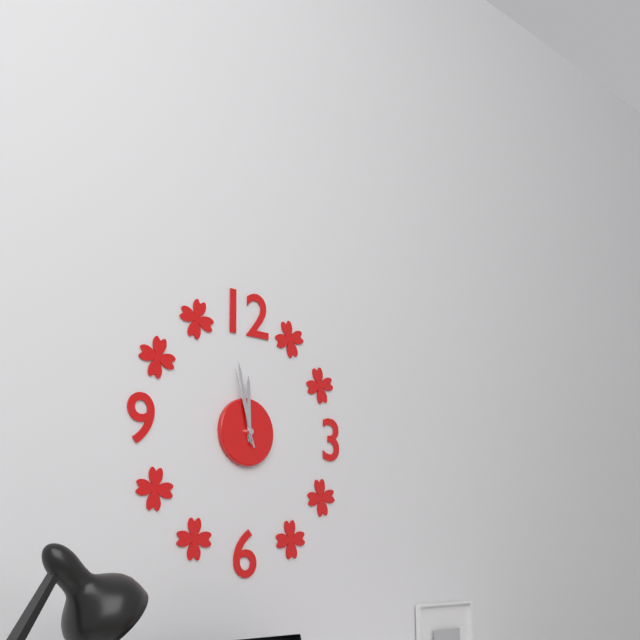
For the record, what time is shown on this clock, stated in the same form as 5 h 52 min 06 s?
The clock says 11 h 58 min 57 s
